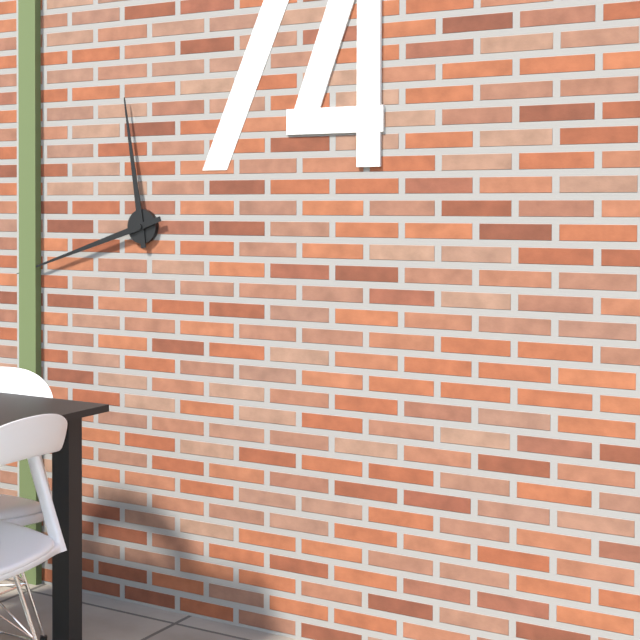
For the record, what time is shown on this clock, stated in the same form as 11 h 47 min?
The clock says 11 h 42 min
